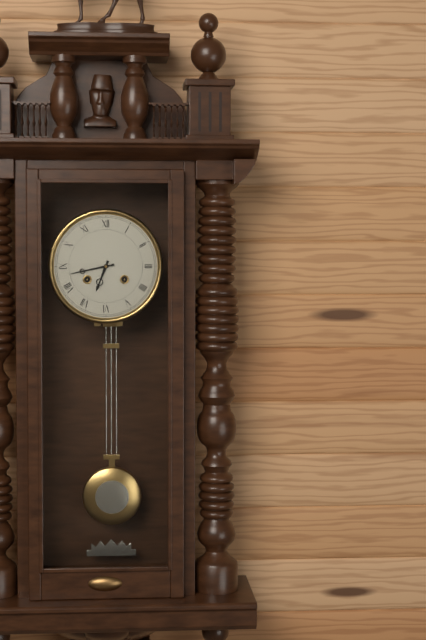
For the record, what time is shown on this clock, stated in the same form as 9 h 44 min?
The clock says 6 h 43 min
